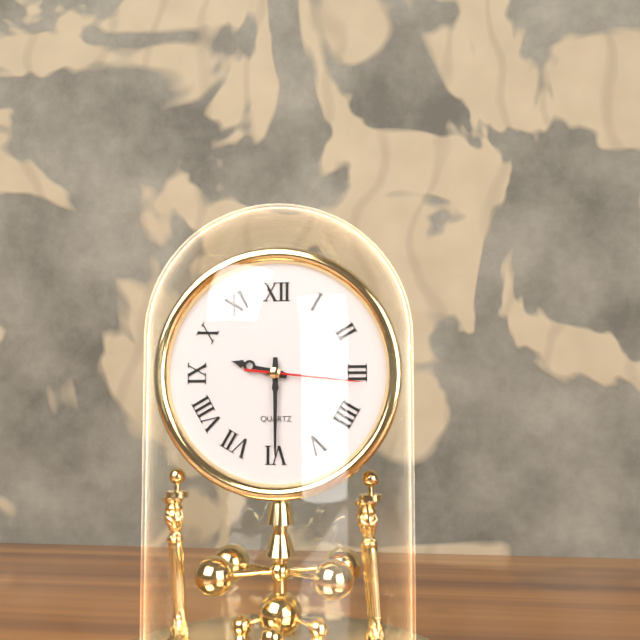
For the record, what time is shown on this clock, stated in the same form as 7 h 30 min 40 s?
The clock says 9 h 30 min 16 s
